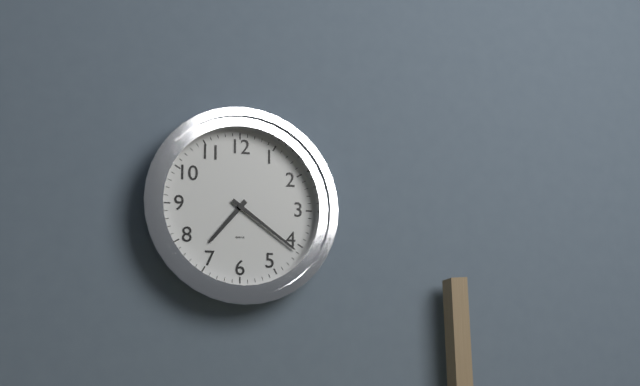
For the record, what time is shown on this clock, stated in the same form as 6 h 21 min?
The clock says 7 h 21 min
